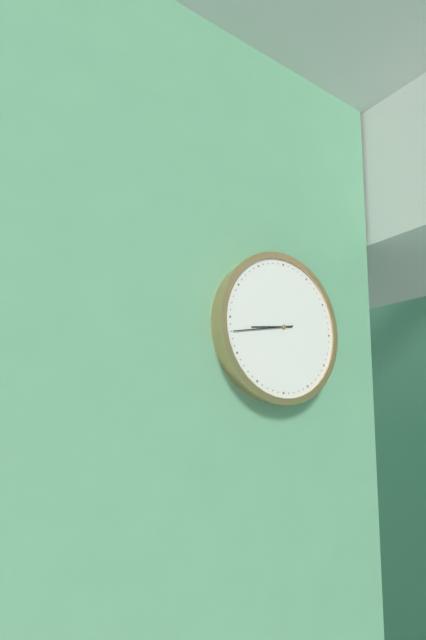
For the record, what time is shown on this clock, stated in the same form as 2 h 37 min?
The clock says 8 h 43 min
